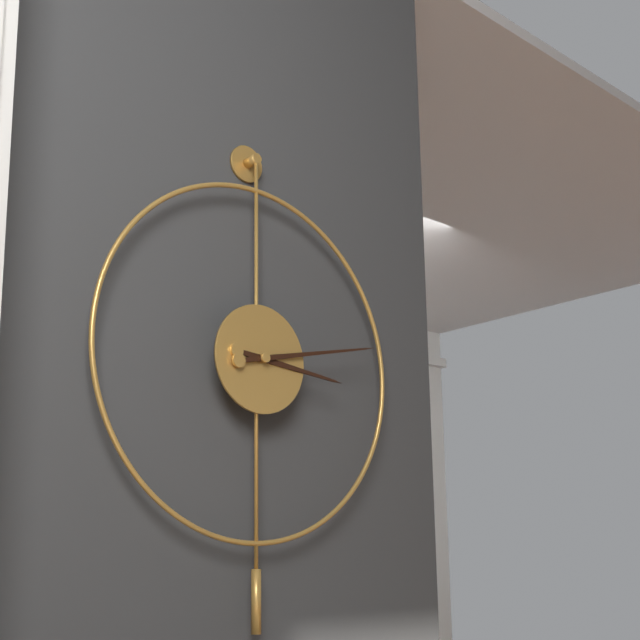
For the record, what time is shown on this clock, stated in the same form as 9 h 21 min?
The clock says 3 h 13 min
